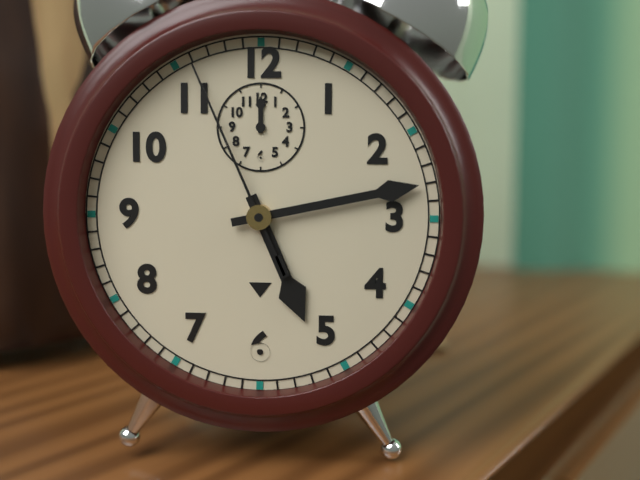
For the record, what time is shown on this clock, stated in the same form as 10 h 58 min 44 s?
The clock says 5 h 13 min 56 s
